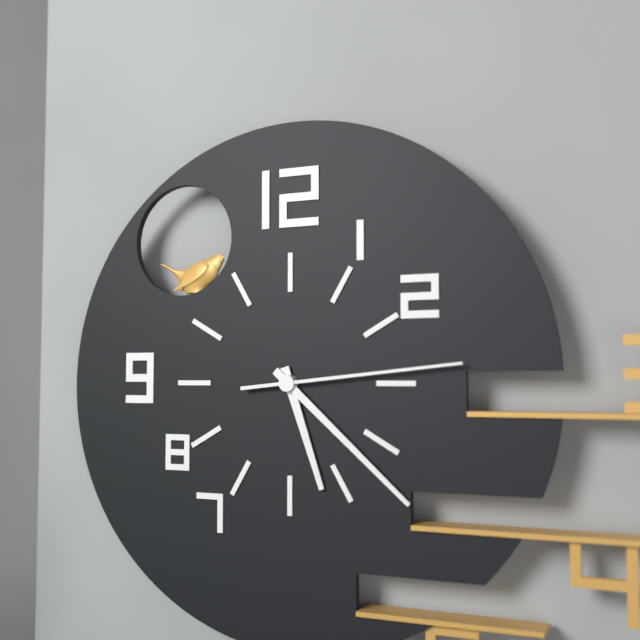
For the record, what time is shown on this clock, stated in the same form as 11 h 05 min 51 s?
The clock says 5 h 22 min 14 s
